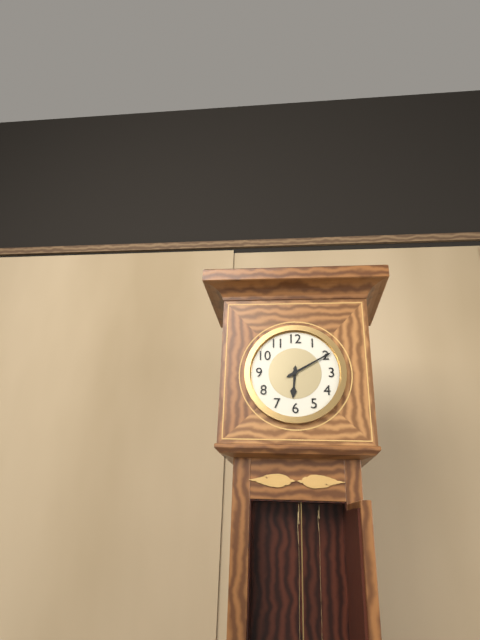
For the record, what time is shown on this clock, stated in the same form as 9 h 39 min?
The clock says 6 h 10 min
